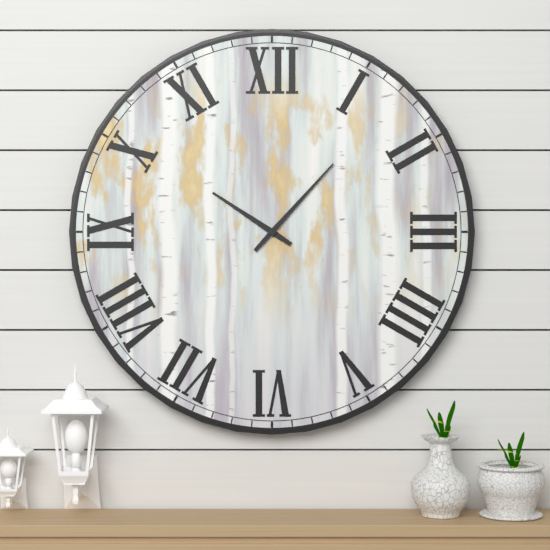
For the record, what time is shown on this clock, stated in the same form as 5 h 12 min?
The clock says 10 h 07 min
